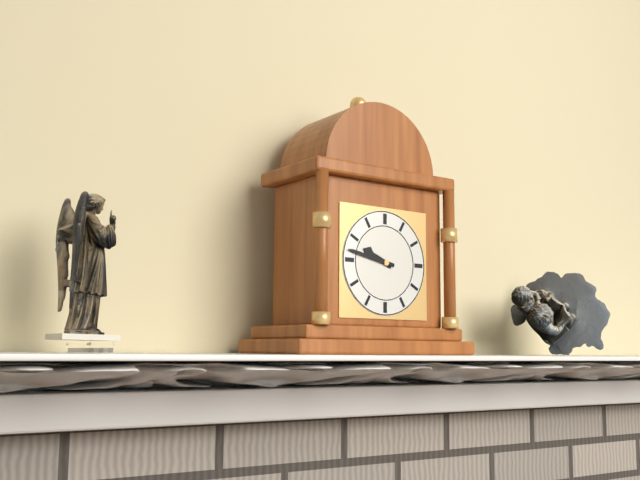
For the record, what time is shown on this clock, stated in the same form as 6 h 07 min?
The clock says 9 h 47 min
